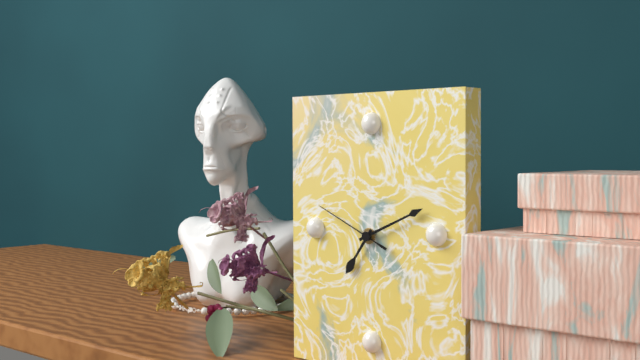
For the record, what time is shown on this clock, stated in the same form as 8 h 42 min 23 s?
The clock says 7 h 11 min 49 s
